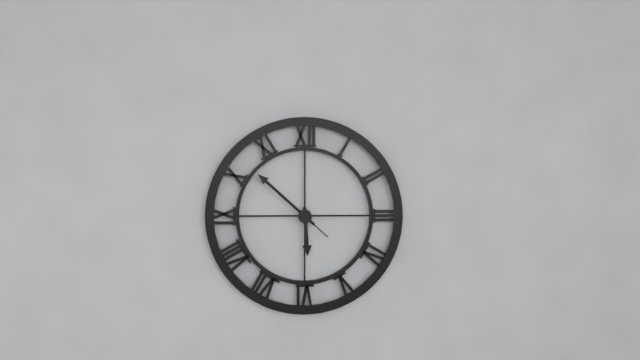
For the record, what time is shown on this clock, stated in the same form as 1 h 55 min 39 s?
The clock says 5 h 52 min 52 s
